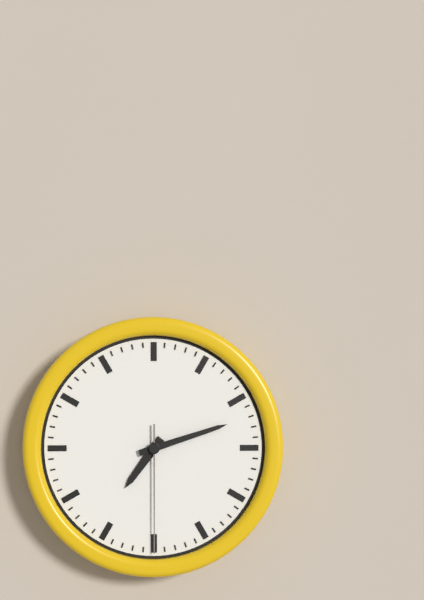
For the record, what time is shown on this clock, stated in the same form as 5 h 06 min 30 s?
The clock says 7 h 12 min 30 s
